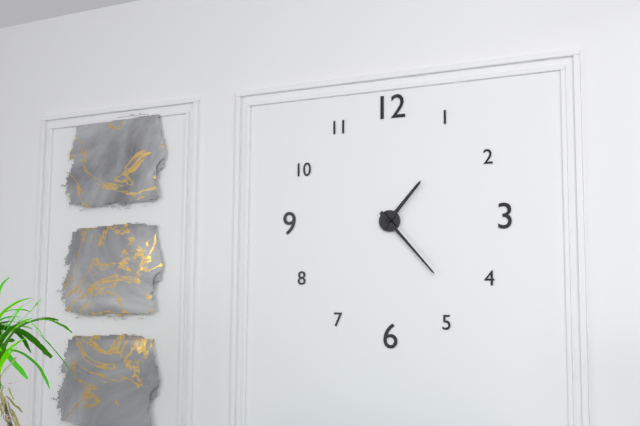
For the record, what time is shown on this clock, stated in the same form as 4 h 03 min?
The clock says 1 h 23 min
